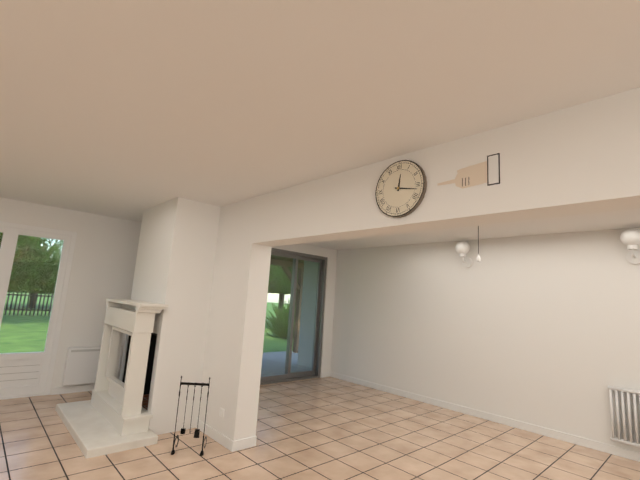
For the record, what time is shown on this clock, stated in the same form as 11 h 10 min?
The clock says 12 h 17 min
